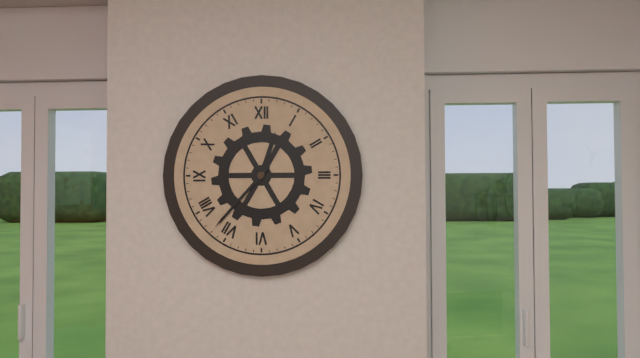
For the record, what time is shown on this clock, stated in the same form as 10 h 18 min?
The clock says 12 h 37 min
